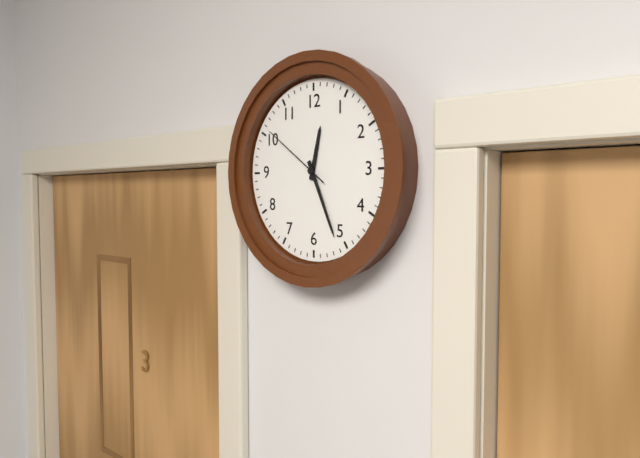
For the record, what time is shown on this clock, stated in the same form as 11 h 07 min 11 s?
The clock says 12 h 26 min 51 s
